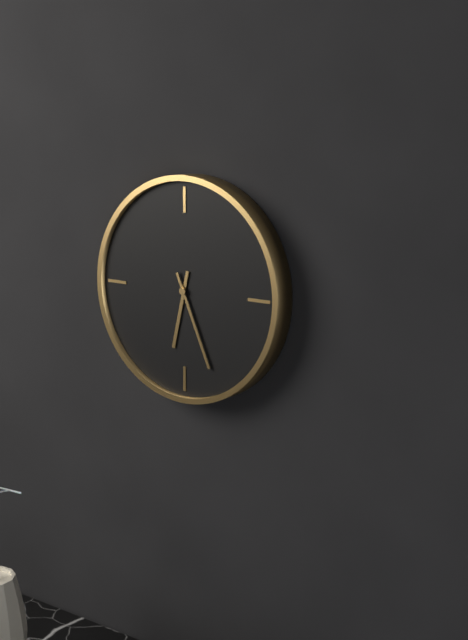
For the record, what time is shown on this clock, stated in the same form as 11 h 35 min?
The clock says 6 h 26 min
